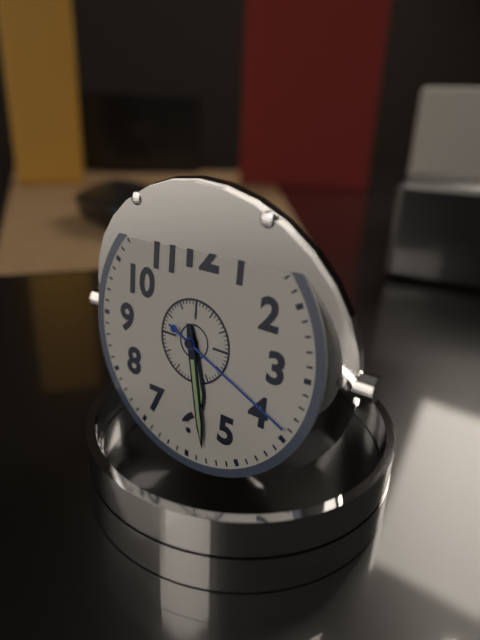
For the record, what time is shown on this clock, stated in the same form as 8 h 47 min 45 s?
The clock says 5 h 28 min 19 s
